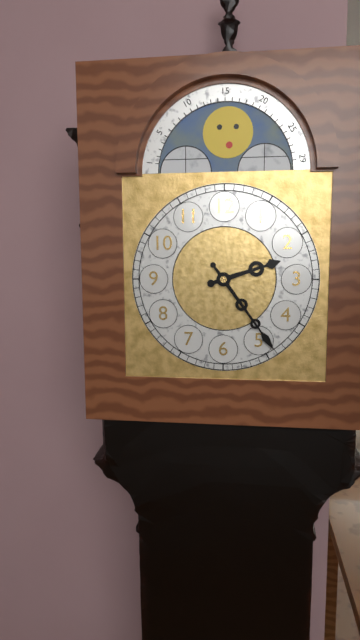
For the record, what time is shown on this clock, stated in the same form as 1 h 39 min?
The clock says 2 h 24 min
